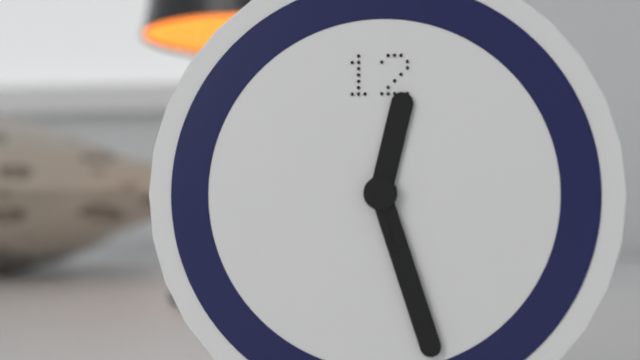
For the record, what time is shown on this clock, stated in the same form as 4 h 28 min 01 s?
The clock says 12 h 27 min 28 s
